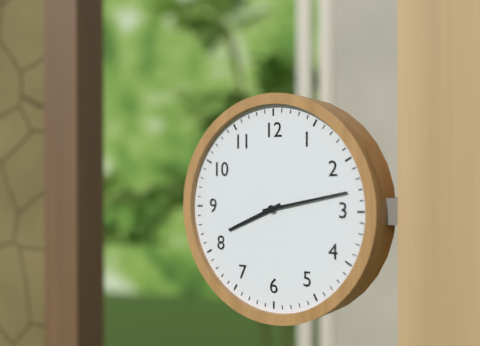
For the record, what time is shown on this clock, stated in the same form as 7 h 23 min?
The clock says 8 h 13 min
